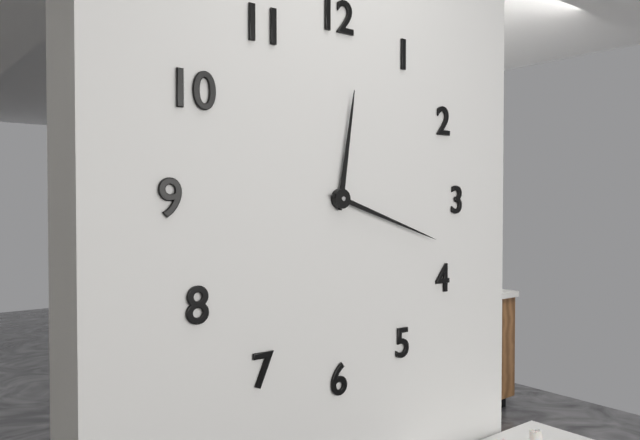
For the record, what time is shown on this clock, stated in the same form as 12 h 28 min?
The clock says 12 h 18 min
